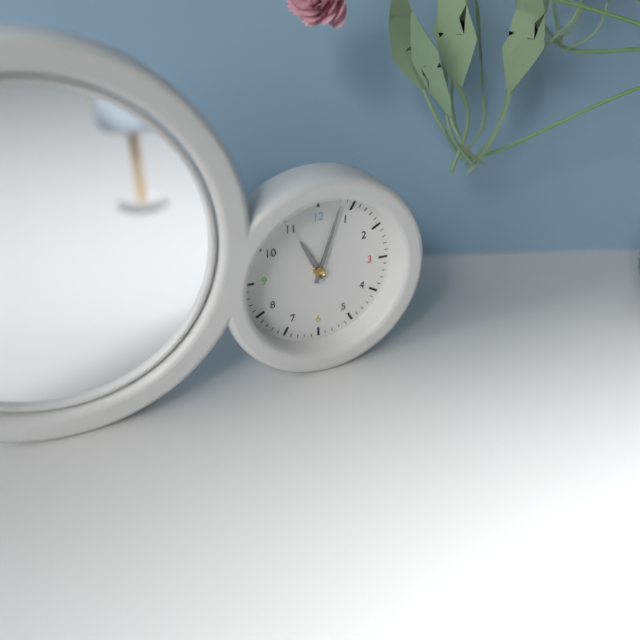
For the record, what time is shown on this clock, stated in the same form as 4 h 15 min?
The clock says 11 h 03 min
